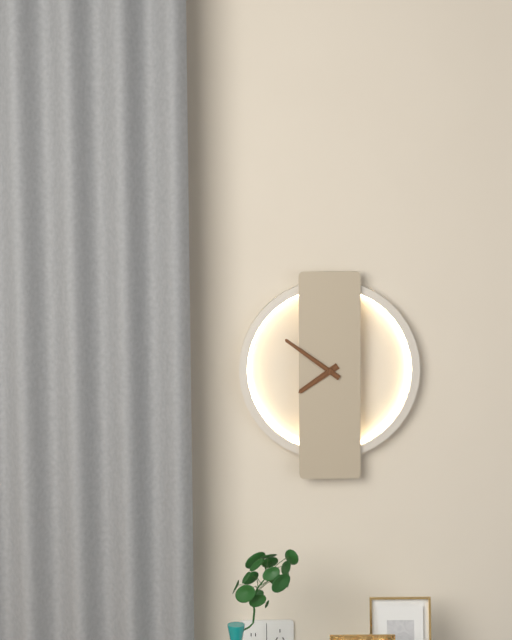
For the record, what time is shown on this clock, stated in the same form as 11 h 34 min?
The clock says 7 h 51 min
